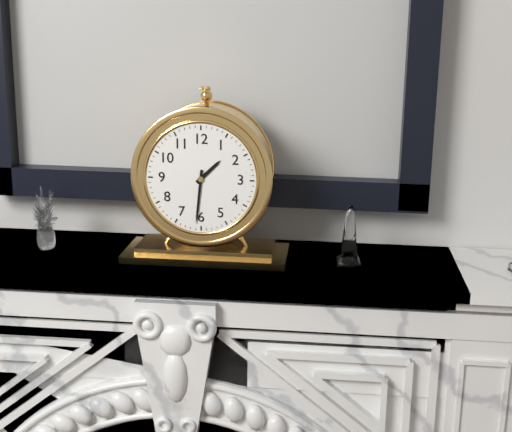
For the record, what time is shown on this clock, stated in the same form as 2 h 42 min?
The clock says 1 h 31 min
